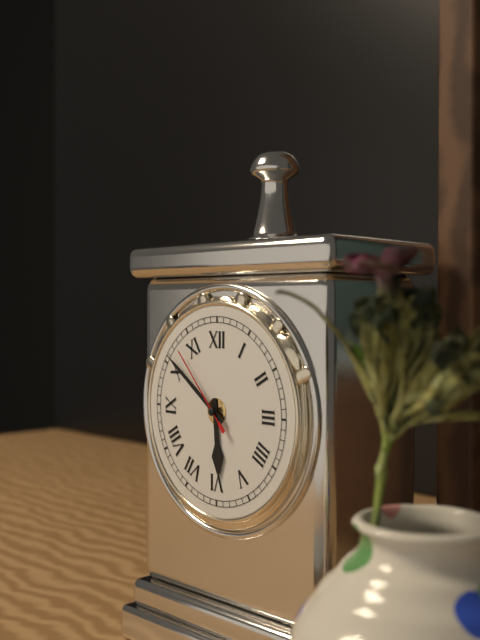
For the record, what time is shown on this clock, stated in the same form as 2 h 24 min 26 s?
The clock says 5 h 51 min 53 s
